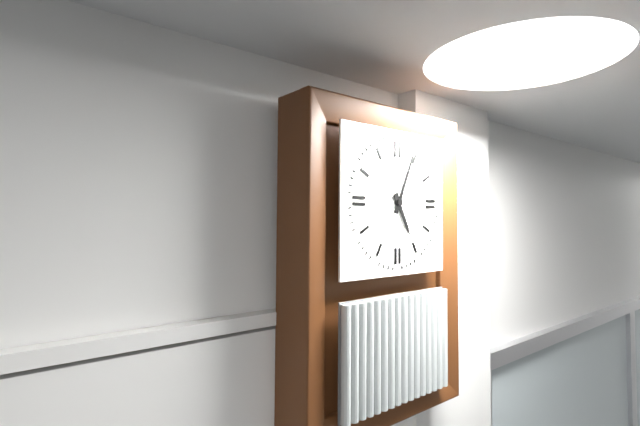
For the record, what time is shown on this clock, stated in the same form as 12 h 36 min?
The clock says 5 h 04 min
